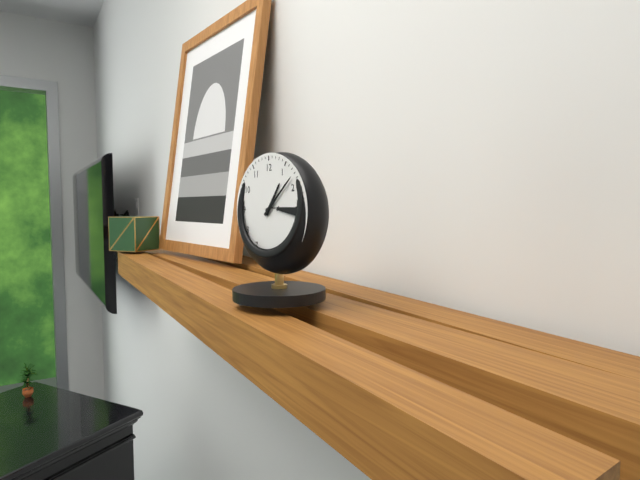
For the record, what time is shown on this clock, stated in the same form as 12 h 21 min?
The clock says 1 h 08 min
